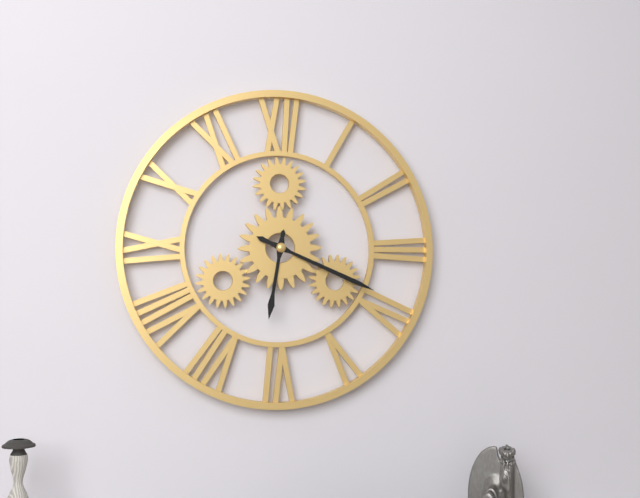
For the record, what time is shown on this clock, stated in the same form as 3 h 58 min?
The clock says 6 h 19 min
